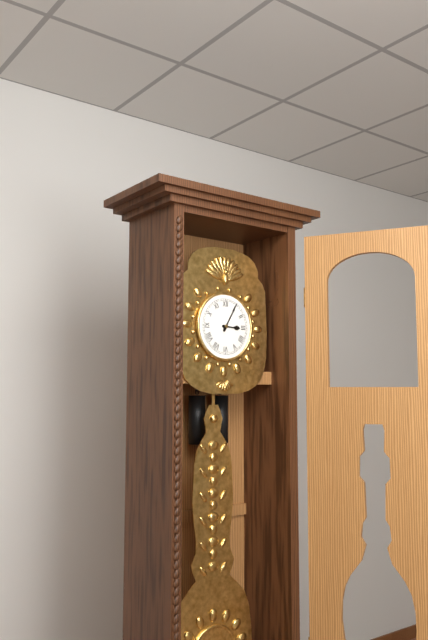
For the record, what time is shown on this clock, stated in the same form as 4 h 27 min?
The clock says 3 h 05 min
